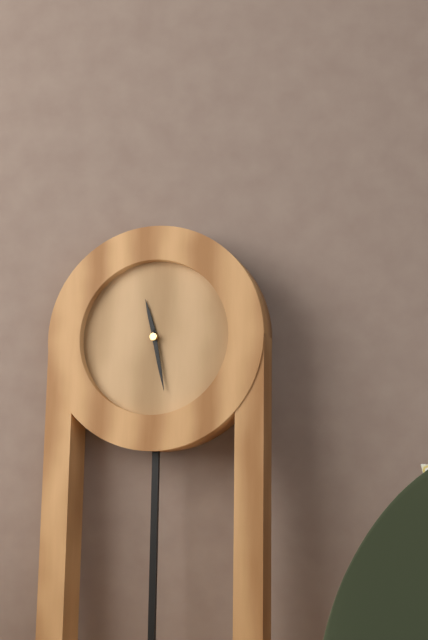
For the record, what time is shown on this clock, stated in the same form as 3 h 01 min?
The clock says 11 h 28 min
